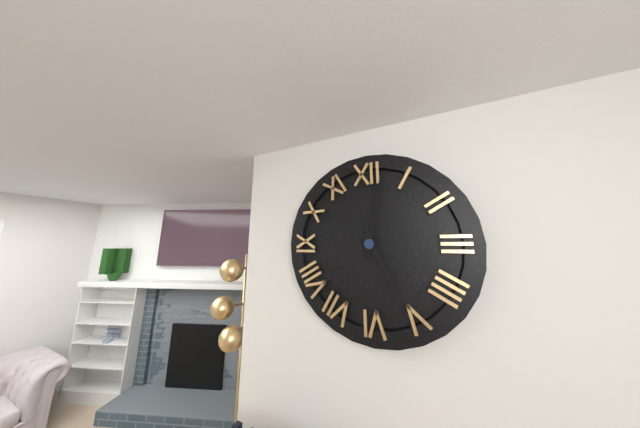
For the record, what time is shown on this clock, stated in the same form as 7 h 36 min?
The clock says 5 h 02 min
